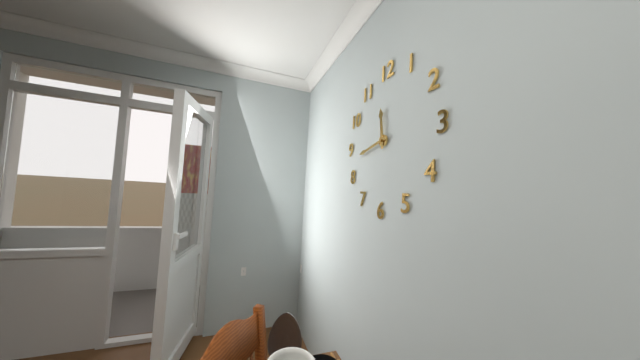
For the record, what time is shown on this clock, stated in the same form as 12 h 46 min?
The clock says 11 h 43 min
